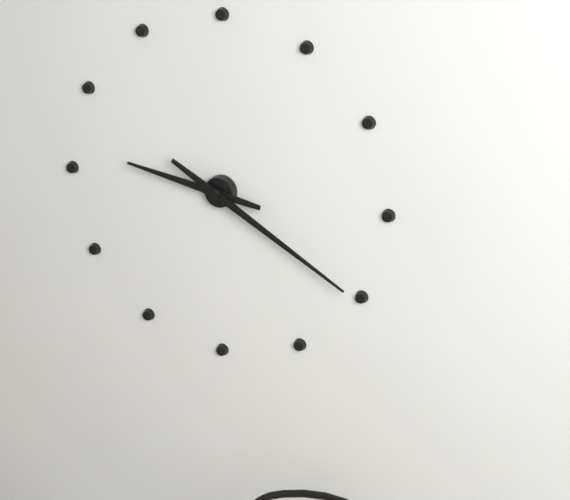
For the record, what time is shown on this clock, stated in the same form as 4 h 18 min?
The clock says 9 h 20 min
